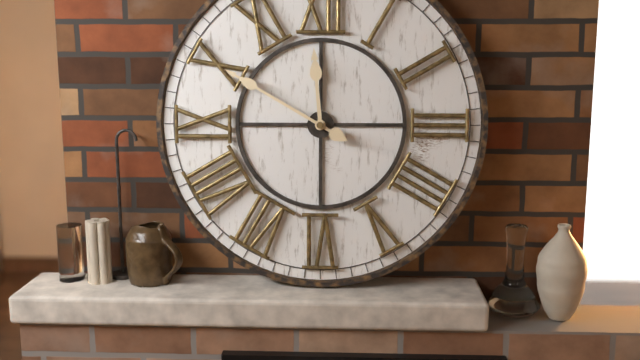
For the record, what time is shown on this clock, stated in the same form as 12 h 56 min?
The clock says 11 h 50 min
